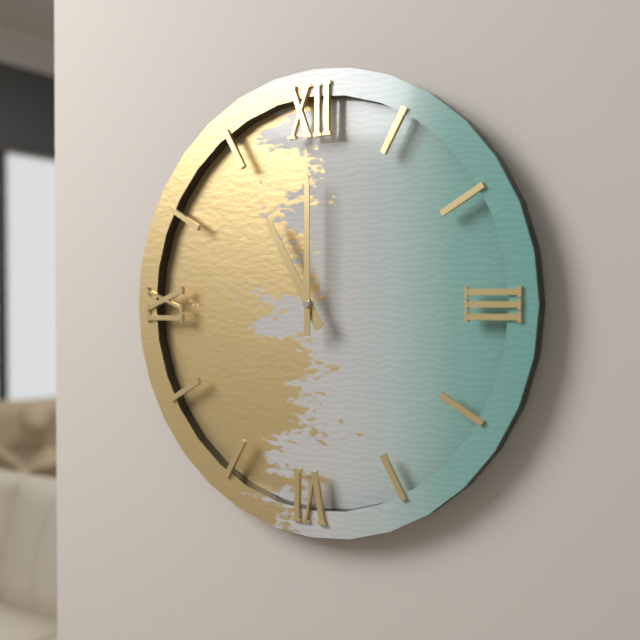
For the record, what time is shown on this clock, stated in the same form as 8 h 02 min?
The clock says 11 h 00 min
